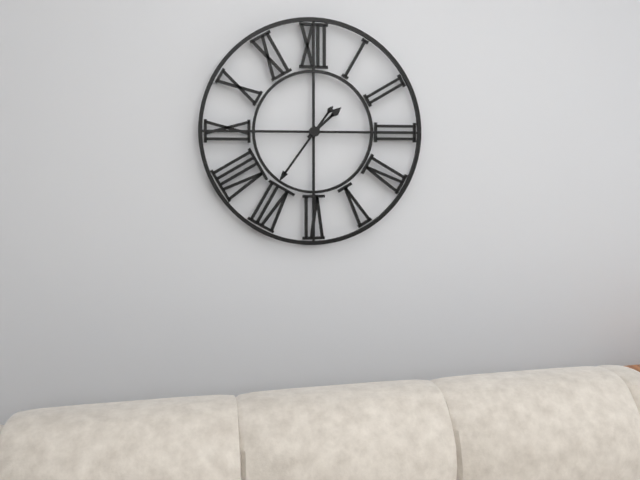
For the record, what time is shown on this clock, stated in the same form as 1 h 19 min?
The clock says 1 h 36 min
